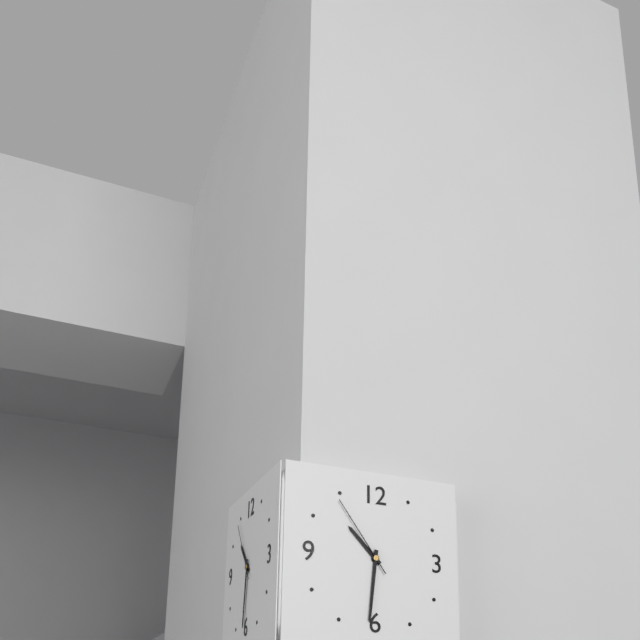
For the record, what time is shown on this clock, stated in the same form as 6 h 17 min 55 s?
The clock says 10 h 31 min 54 s
